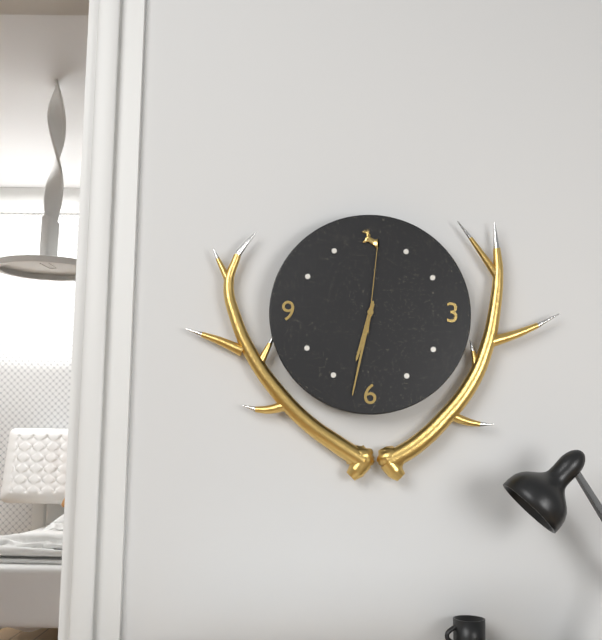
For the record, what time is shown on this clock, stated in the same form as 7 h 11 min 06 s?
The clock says 6 h 32 min 01 s
